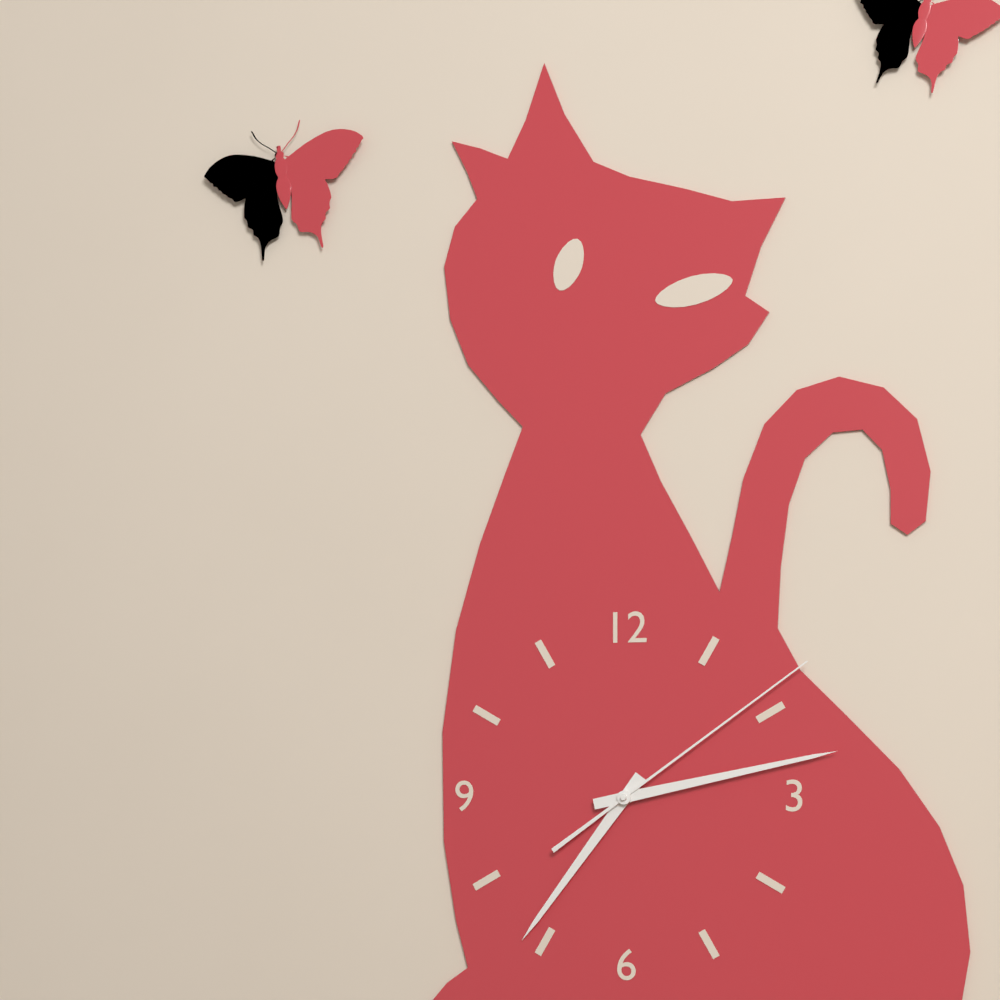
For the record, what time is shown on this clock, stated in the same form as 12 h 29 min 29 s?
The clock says 7 h 13 min 09 s
